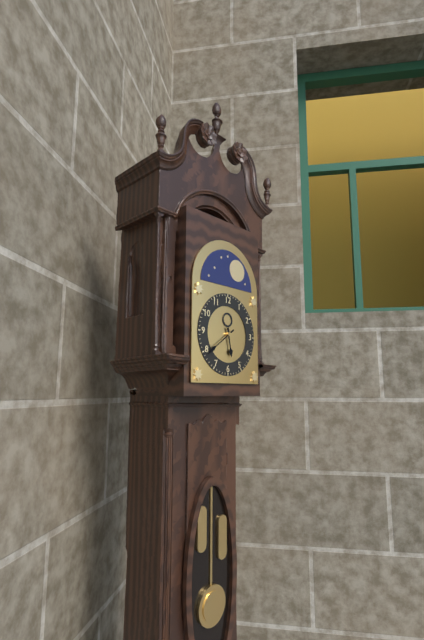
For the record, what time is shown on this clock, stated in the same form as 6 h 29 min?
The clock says 5 h 39 min
